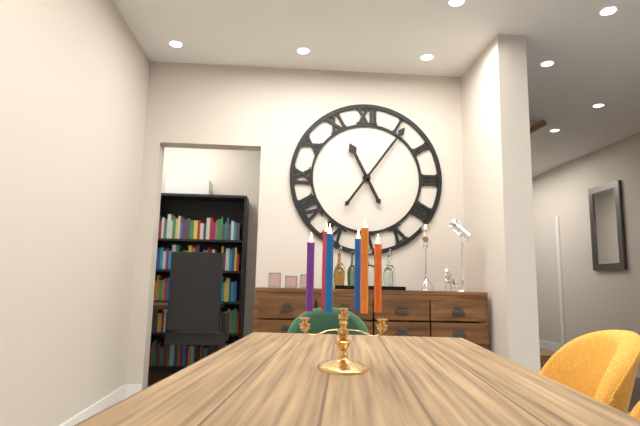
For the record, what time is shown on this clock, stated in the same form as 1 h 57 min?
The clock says 11 h 06 min
